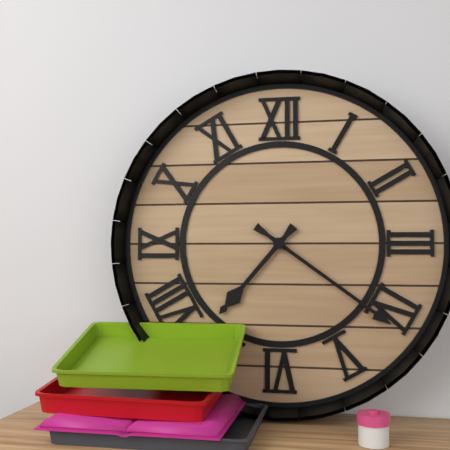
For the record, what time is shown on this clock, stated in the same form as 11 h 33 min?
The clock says 7 h 21 min
